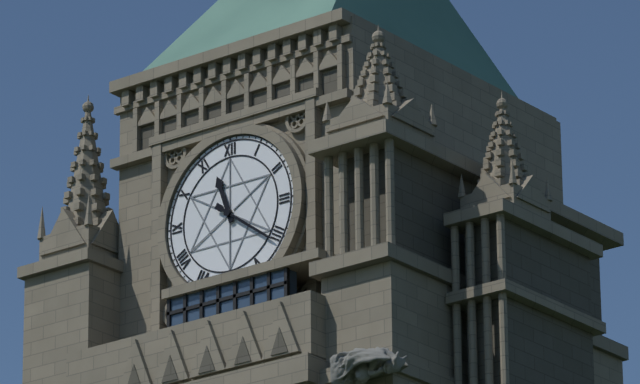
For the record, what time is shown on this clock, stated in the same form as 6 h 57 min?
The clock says 11 h 21 min
